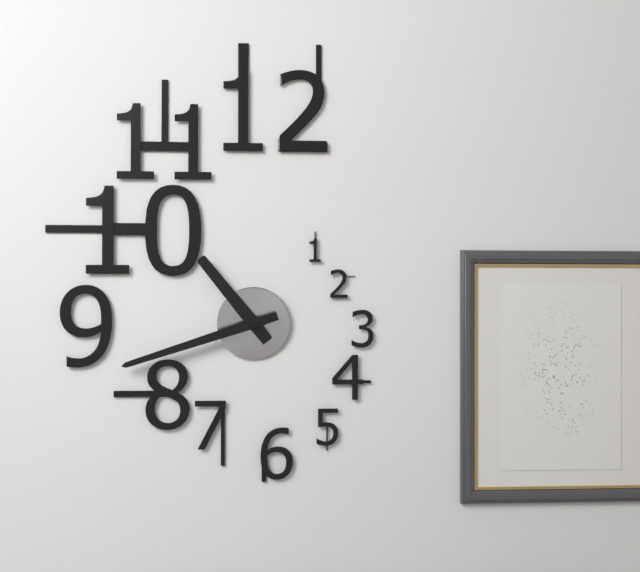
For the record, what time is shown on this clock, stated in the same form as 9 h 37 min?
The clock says 10 h 42 min
